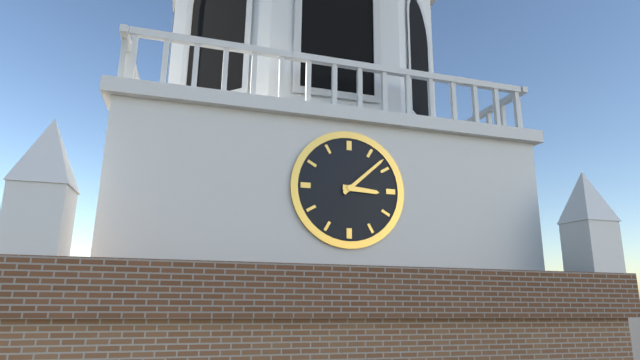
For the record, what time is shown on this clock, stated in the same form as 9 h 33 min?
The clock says 3 h 08 min
